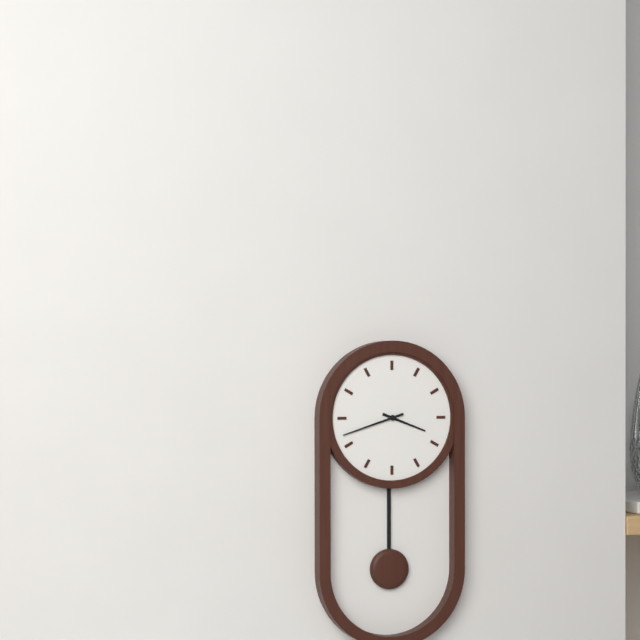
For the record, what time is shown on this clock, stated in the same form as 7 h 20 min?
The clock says 3 h 42 min
